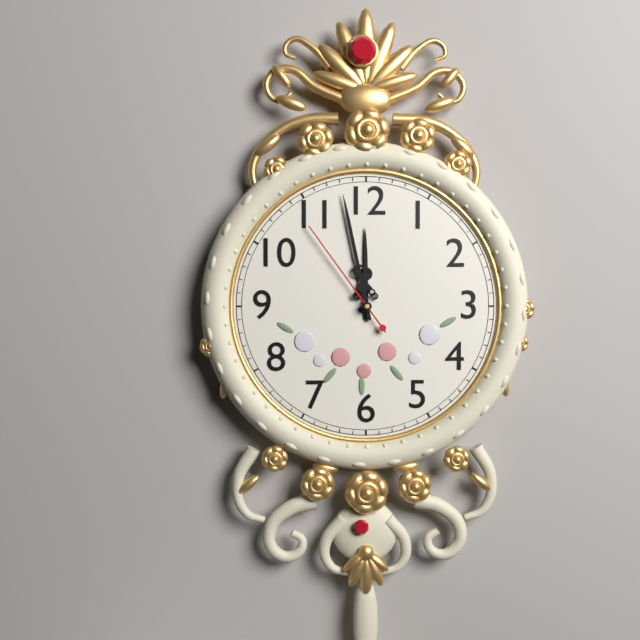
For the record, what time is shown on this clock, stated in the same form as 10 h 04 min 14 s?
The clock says 11 h 58 min 54 s
